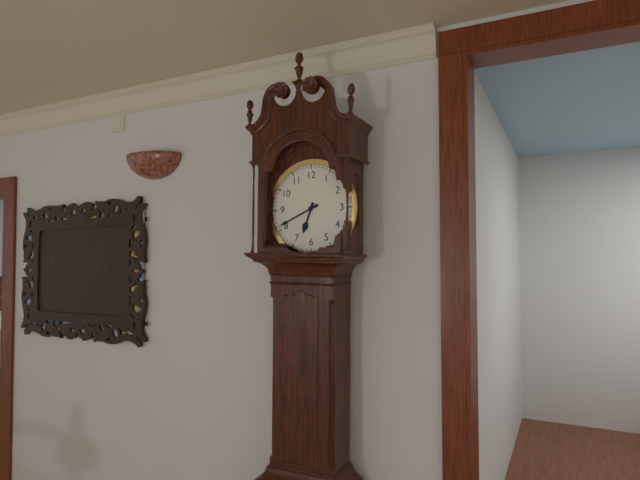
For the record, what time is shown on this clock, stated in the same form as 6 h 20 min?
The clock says 6 h 41 min
